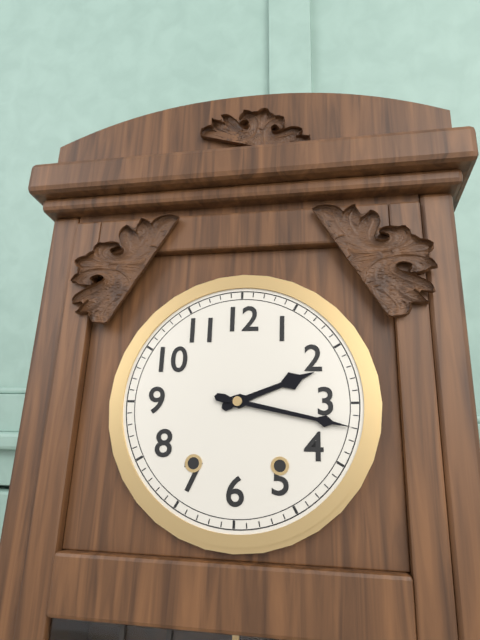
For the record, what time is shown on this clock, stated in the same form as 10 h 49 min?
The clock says 2 h 17 min
